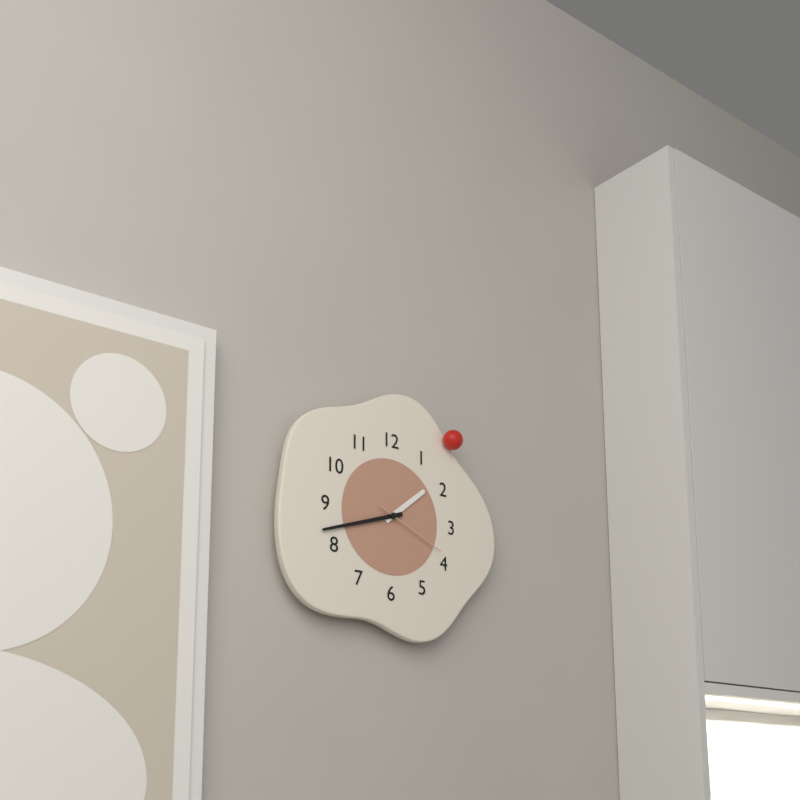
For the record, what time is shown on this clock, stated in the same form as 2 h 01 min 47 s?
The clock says 1 h 42 min 19 s
